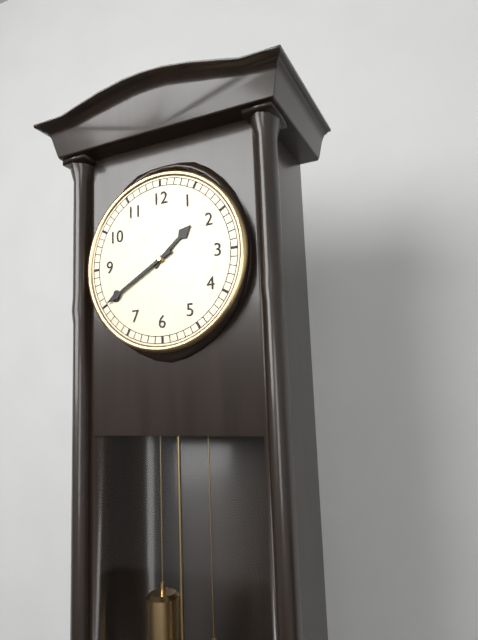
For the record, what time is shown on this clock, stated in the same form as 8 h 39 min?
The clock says 1 h 40 min
